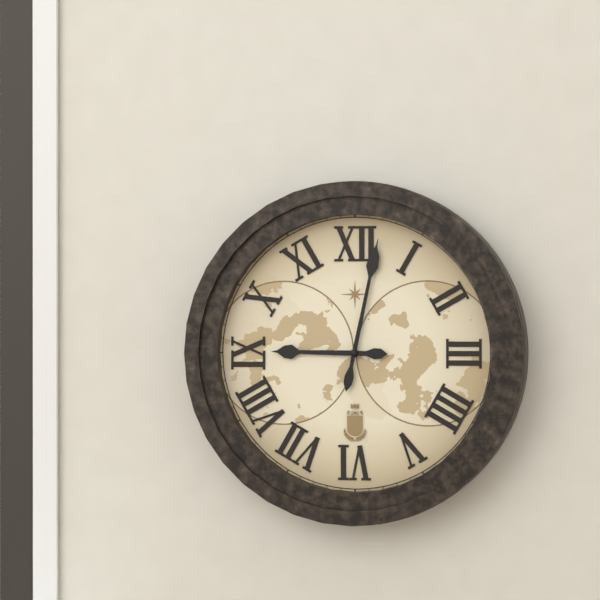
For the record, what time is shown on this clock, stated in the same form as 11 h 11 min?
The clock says 9 h 02 min
